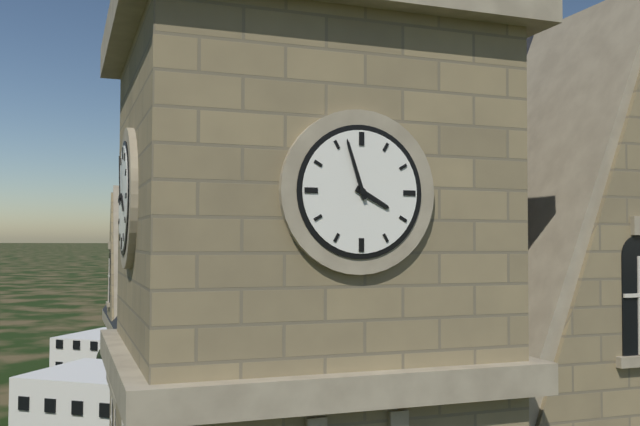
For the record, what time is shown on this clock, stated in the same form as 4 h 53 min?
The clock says 3 h 57 min
